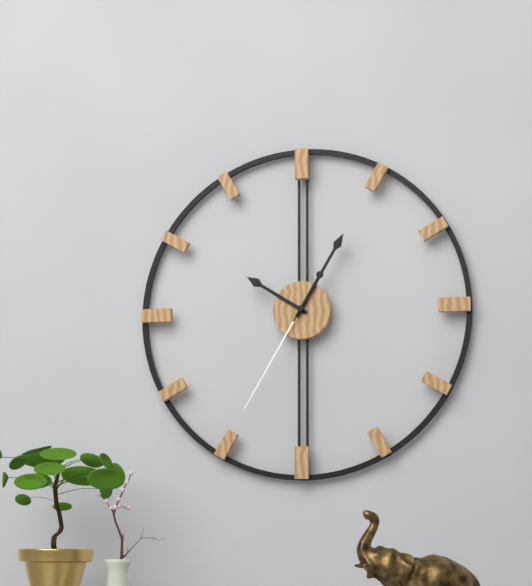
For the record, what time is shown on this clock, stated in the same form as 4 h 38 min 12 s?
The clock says 10 h 05 min 35 s
